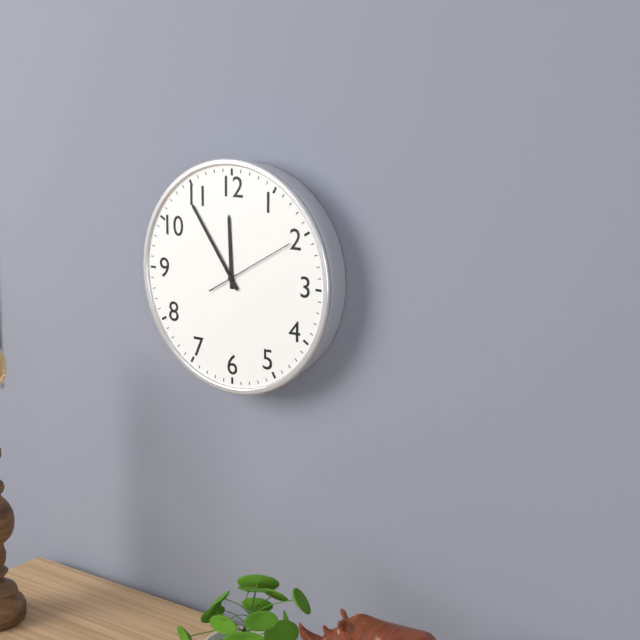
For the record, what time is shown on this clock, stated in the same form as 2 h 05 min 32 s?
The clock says 11 h 54 min 10 s
